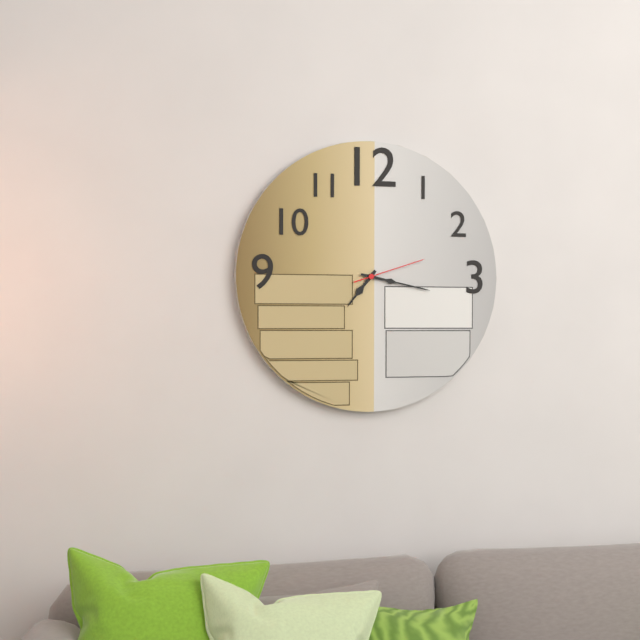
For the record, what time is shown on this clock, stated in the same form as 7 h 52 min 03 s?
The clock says 7 h 17 min 12 s
